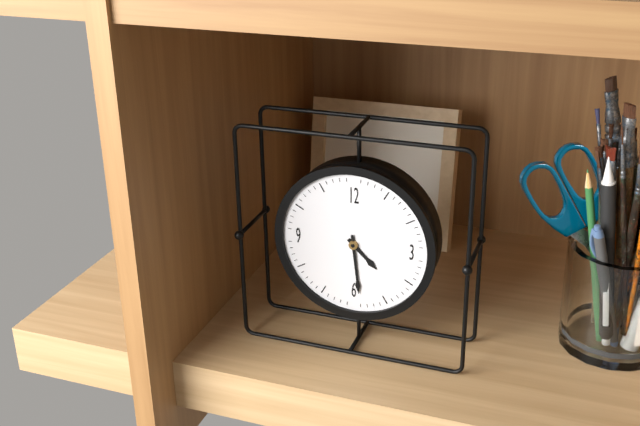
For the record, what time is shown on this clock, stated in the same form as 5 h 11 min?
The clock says 4 h 29 min
